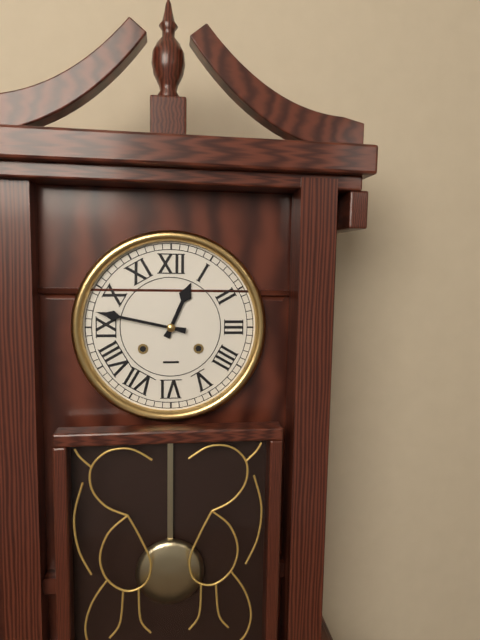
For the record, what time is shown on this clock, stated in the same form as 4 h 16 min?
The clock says 12 h 47 min
